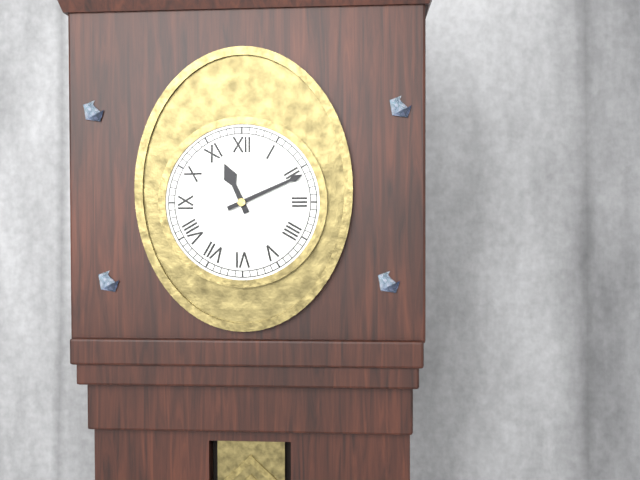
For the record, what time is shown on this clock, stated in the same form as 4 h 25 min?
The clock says 11 h 11 min
